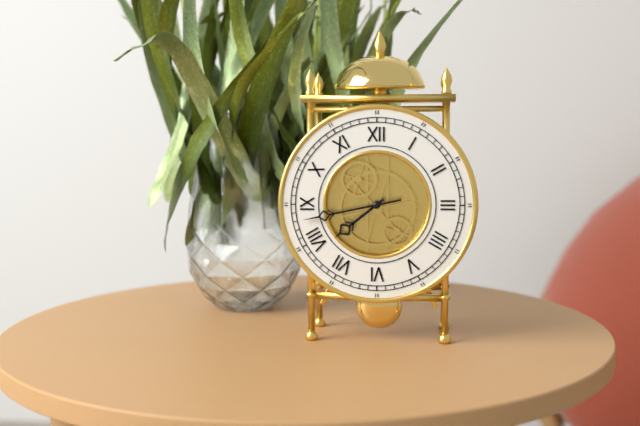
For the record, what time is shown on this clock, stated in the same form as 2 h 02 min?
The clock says 7 h 43 min
